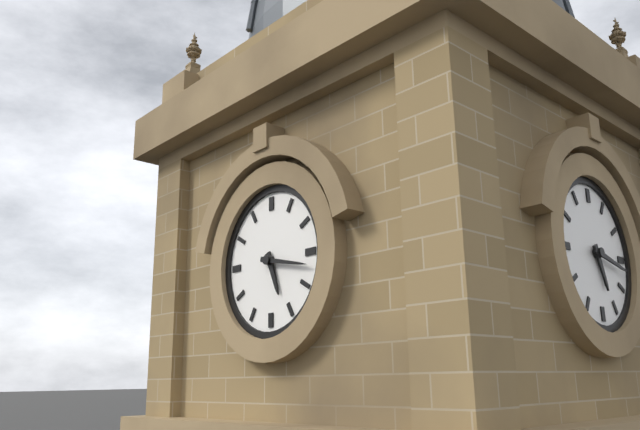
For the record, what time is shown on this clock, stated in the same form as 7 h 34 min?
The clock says 5 h 17 min
